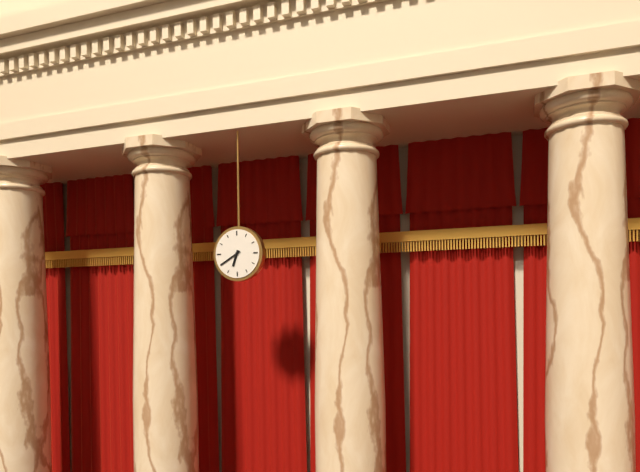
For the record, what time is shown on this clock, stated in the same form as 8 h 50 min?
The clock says 6 h 40 min
